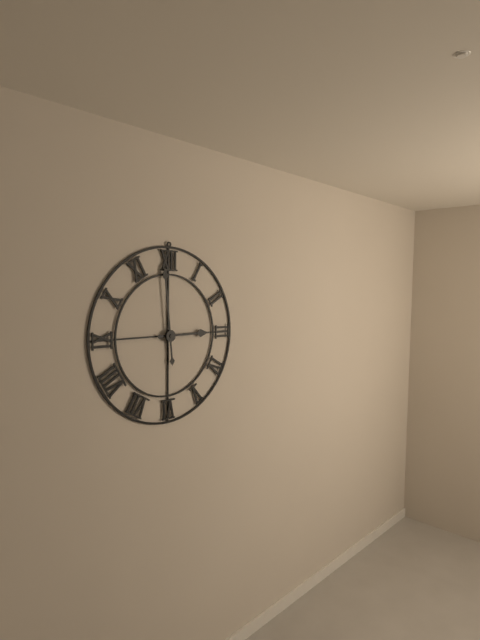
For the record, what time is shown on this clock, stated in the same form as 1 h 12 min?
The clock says 2 h 59 min
